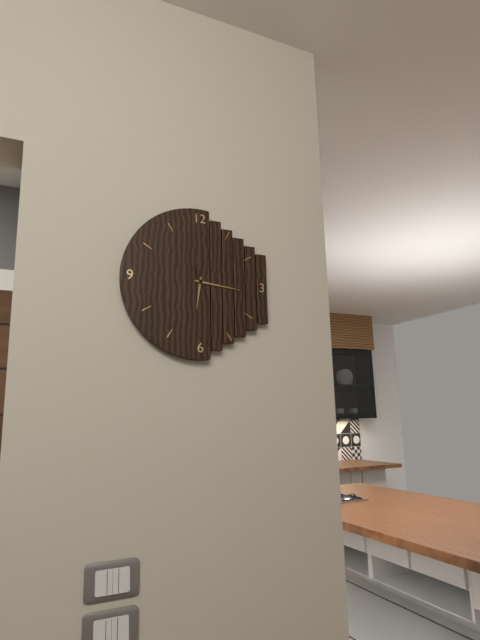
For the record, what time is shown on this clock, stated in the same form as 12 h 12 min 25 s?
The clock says 6 h 16 min 26 s
